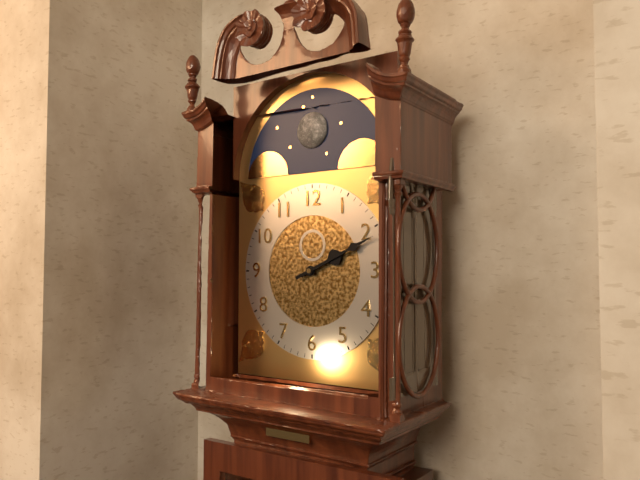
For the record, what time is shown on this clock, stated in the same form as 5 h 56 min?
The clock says 2 h 11 min
